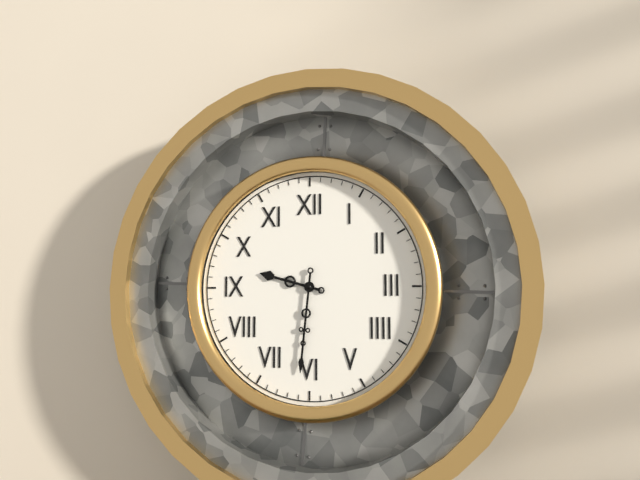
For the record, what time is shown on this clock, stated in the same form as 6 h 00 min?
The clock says 9 h 31 min
